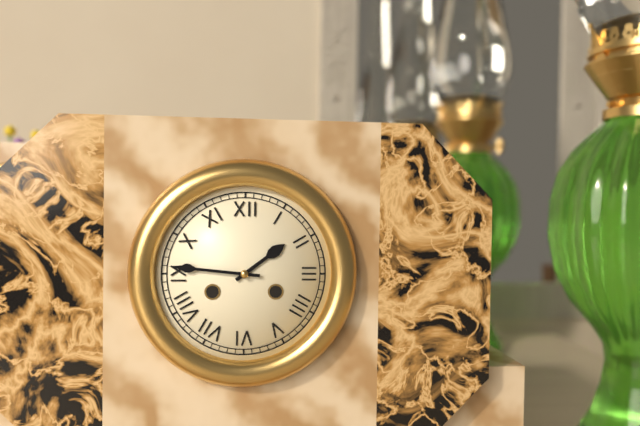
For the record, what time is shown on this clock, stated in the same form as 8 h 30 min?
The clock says 1 h 46 min
